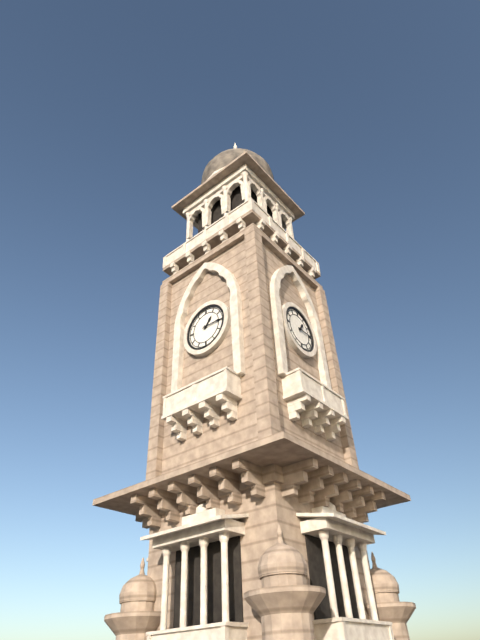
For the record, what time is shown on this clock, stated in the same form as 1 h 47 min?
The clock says 1 h 15 min
